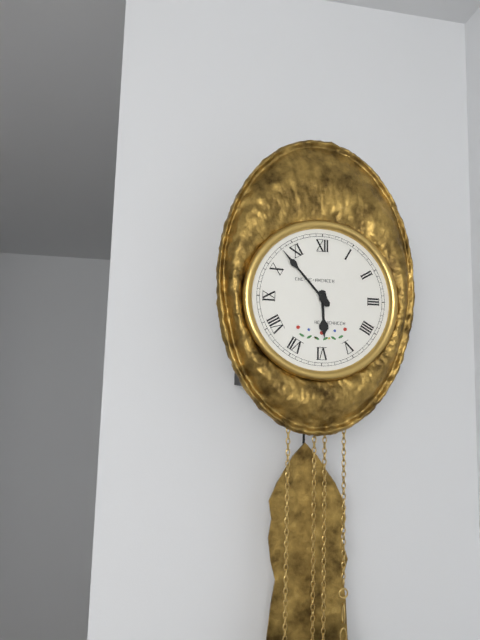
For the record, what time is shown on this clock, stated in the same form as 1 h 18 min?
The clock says 5 h 53 min
